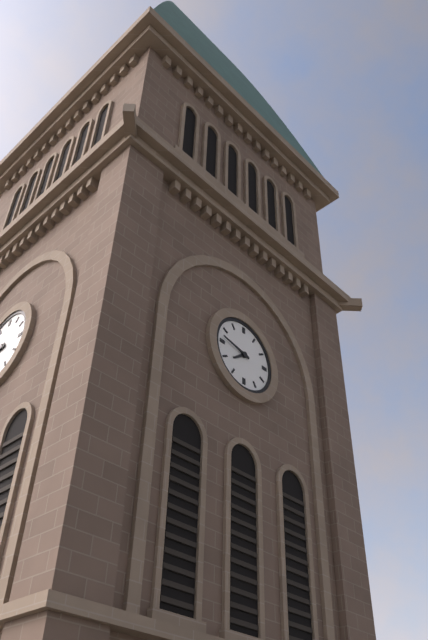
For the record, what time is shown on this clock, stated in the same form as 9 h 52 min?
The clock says 7 h 47 min
